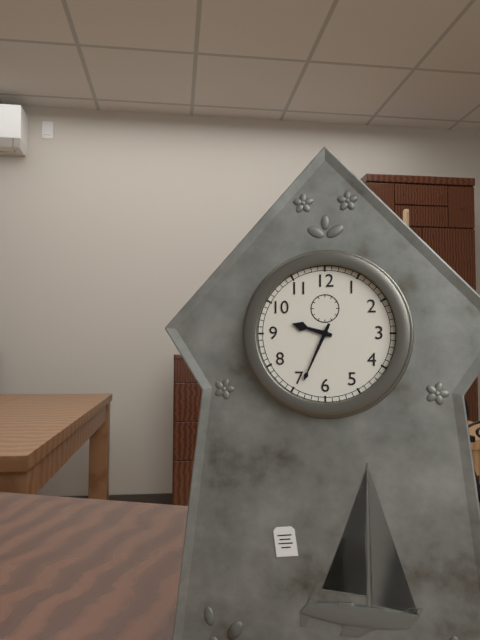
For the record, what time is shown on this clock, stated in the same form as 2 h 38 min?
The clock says 9 h 34 min
